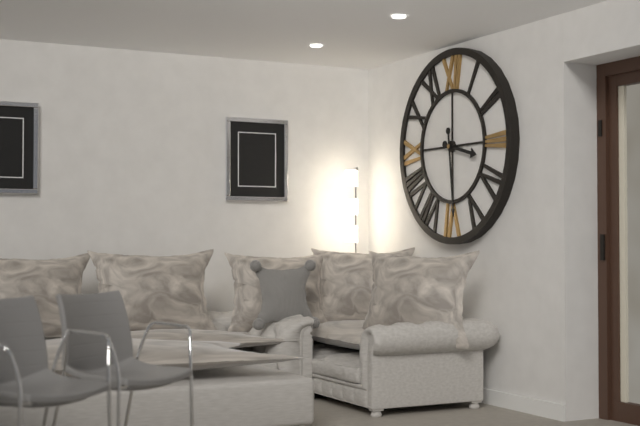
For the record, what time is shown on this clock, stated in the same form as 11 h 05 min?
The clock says 3 h 29 min
